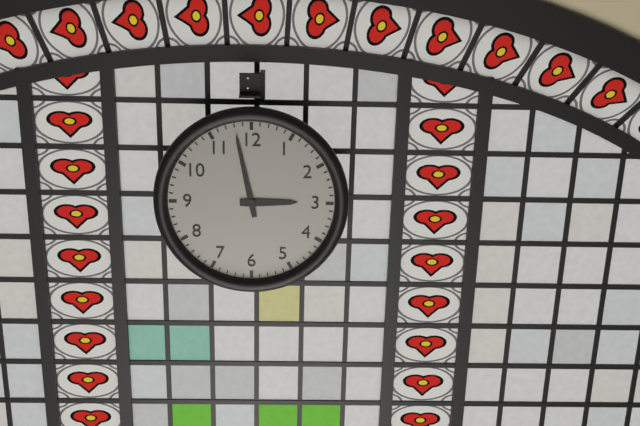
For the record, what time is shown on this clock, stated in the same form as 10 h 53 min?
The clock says 2 h 58 min
